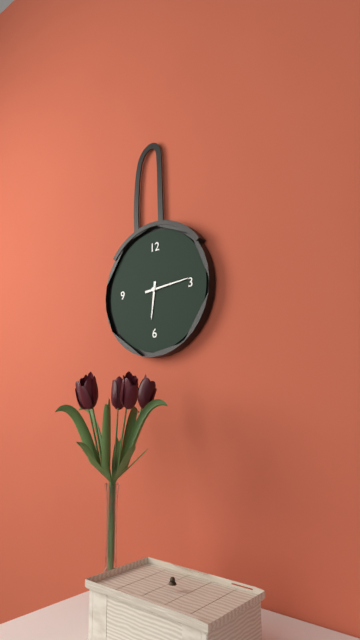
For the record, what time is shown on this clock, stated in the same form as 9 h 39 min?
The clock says 6 h 14 min
